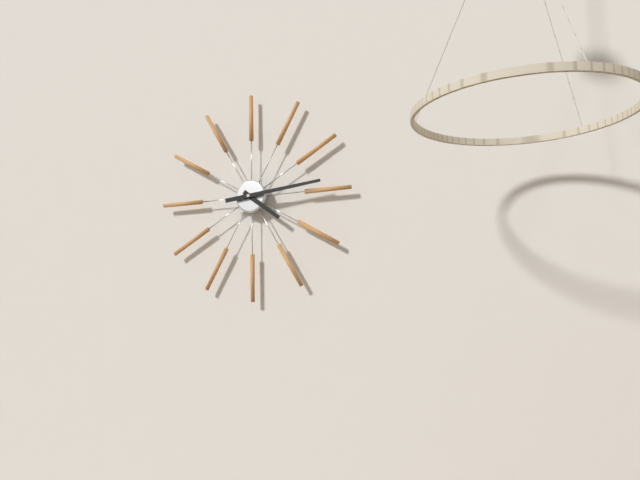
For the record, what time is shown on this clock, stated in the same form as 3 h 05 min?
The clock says 4 h 14 min
